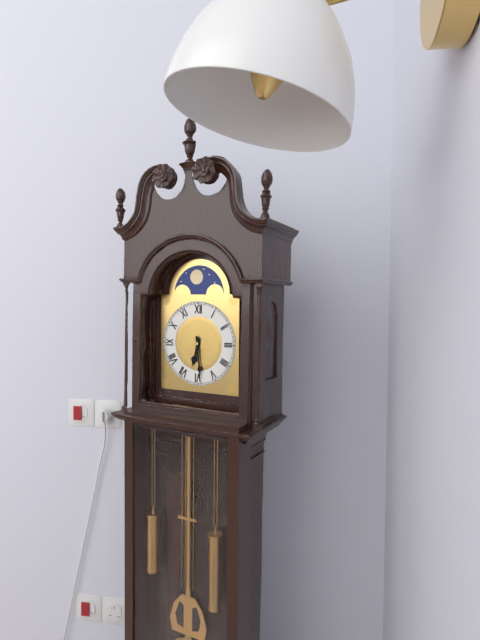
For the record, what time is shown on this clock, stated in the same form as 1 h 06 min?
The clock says 6 h 29 min
